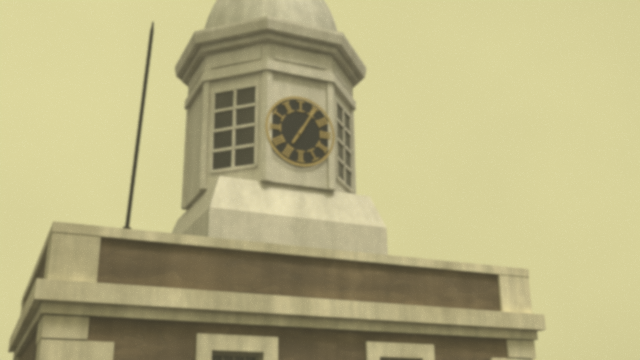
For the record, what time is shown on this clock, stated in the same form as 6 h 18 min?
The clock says 7 h 05 min
